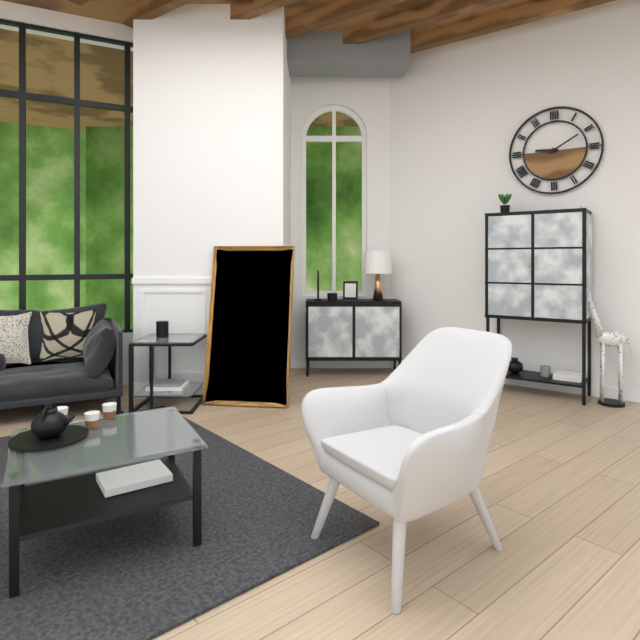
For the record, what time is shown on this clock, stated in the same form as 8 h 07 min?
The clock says 9 h 10 min
